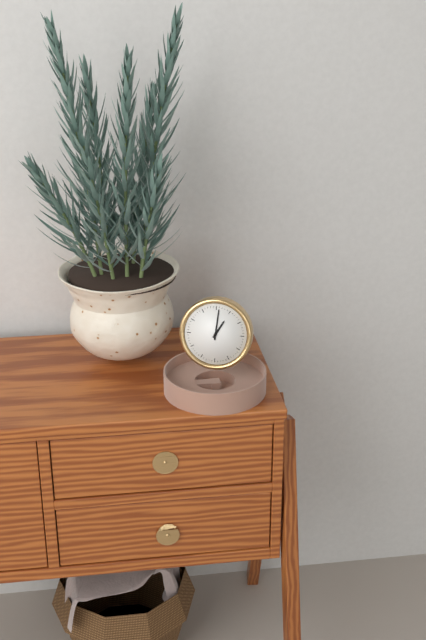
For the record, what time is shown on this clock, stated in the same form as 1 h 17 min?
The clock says 1 h 01 min
